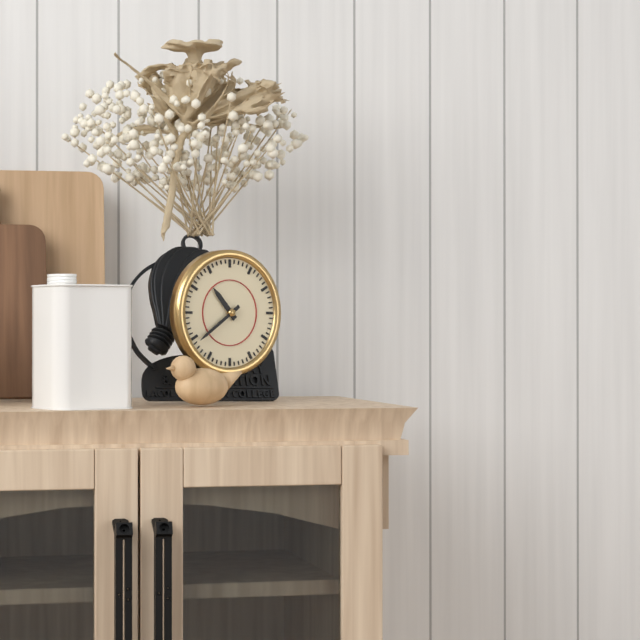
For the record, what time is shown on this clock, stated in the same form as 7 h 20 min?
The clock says 10 h 39 min
